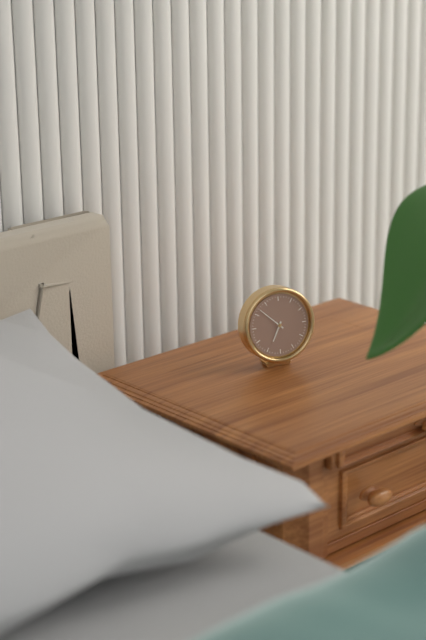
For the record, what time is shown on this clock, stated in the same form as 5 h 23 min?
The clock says 6 h 52 min
